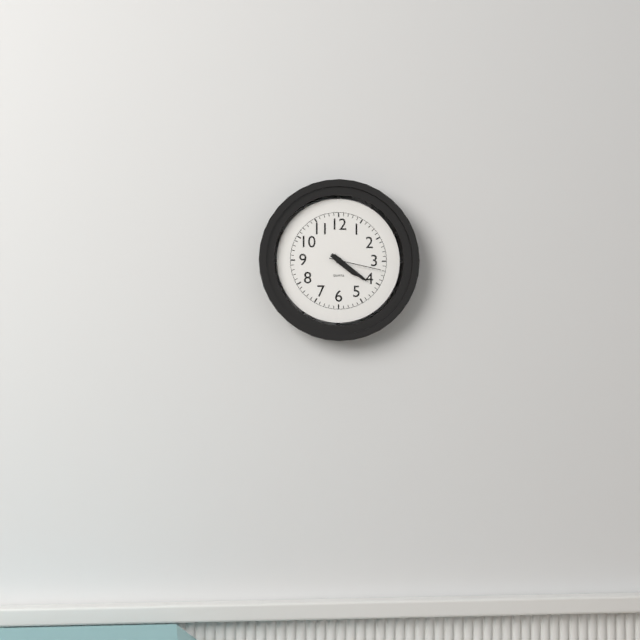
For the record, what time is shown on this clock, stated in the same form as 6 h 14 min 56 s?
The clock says 4 h 21 min 17 s
